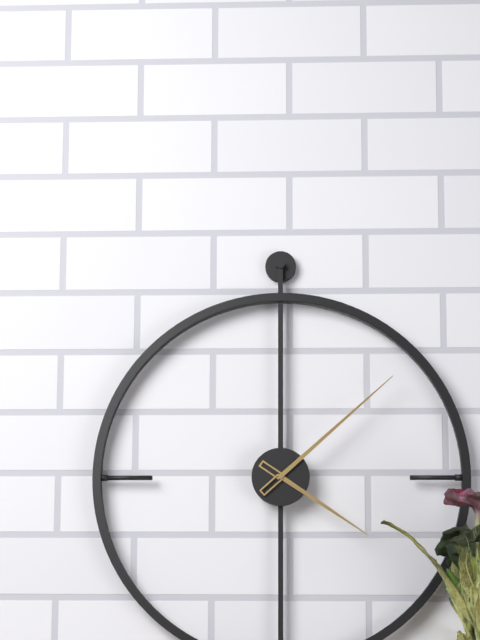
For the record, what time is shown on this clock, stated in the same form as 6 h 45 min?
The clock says 4 h 08 min
